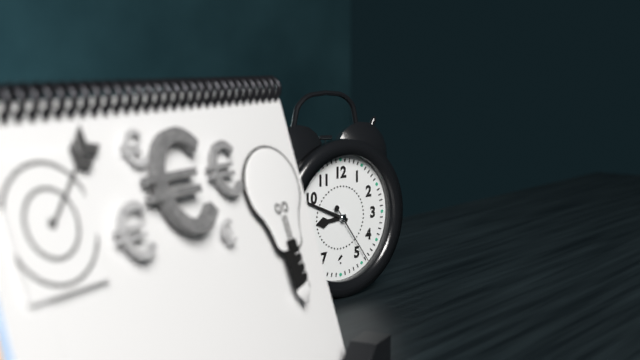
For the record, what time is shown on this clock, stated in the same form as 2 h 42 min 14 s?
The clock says 8 h 49 min 24 s
